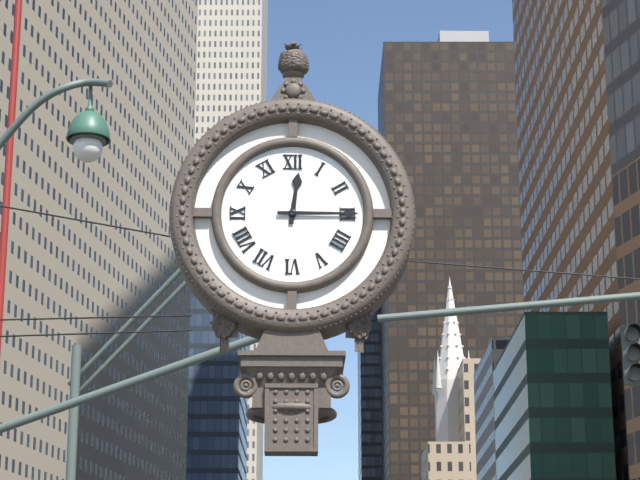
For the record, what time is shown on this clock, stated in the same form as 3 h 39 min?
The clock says 12 h 15 min
